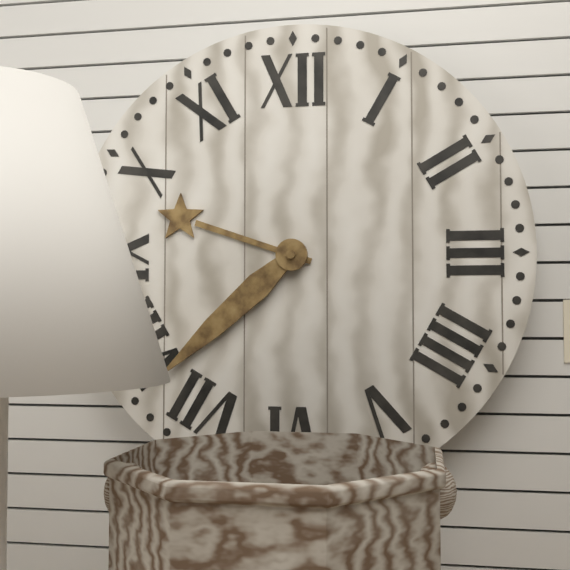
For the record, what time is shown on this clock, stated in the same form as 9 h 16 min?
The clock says 9 h 38 min
